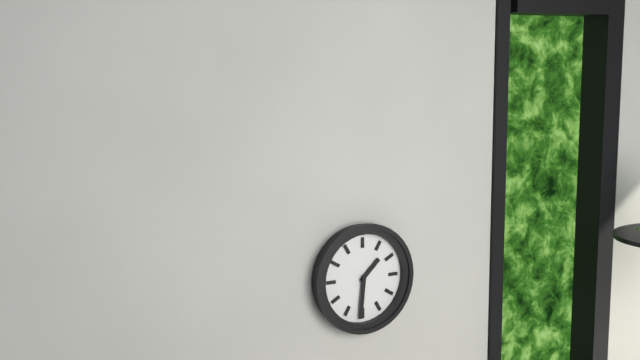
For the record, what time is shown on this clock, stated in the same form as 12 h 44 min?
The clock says 1 h 31 min
